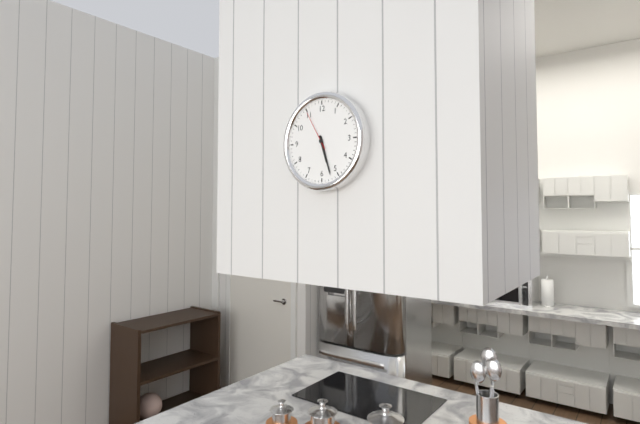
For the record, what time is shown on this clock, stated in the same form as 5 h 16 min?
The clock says 5 h 27 min
